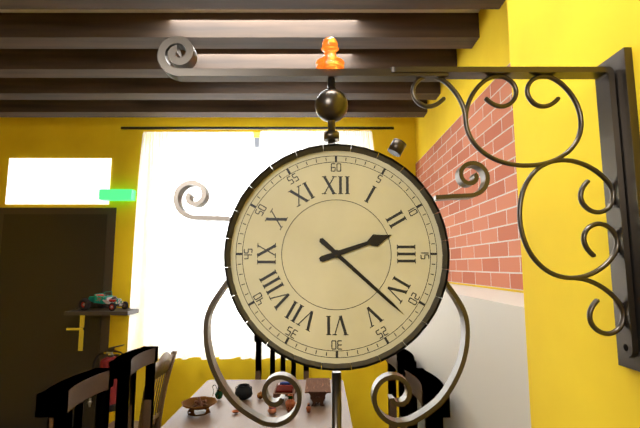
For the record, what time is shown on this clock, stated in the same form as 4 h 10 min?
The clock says 2 h 22 min
